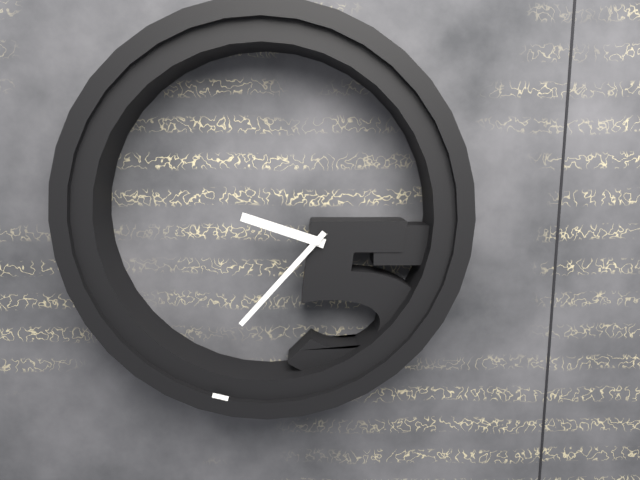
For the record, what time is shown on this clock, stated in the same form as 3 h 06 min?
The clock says 9 h 37 min
